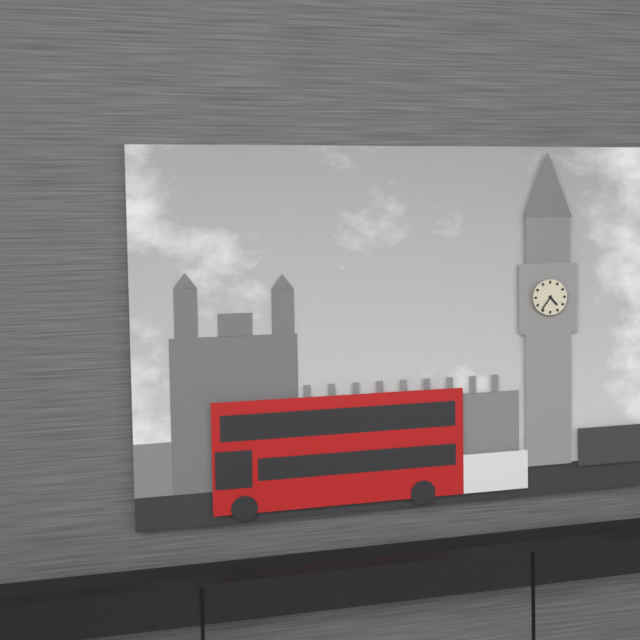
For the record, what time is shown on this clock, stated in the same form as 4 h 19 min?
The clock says 4 h 36 min
